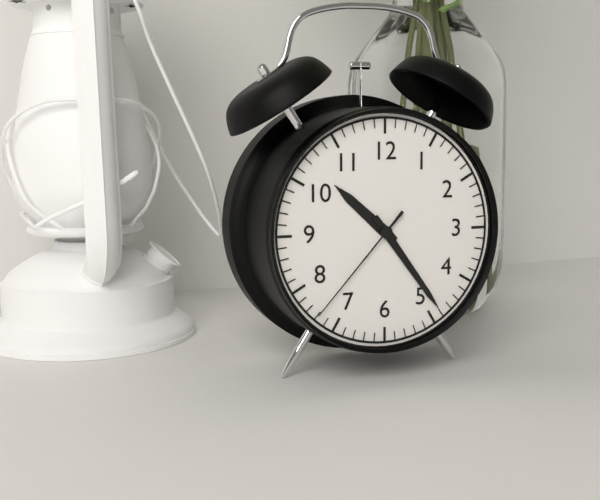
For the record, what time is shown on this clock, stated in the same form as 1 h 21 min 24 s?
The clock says 10 h 24 min 37 s
